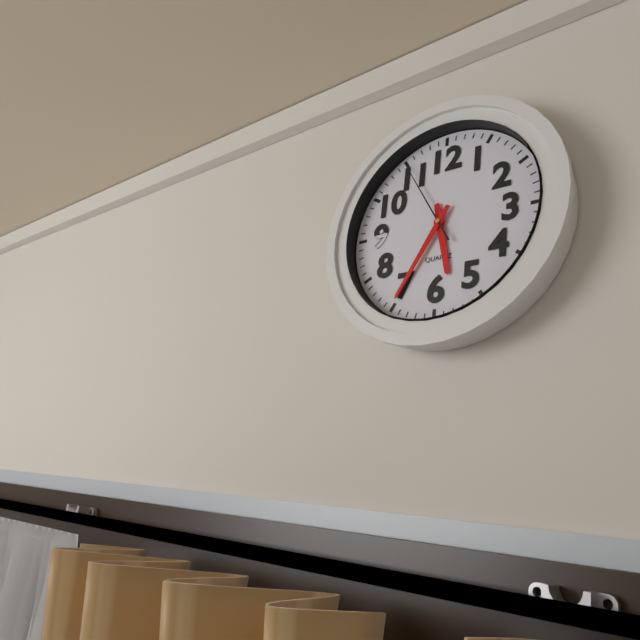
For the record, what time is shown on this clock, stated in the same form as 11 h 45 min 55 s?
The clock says 5 h 35 min 55 s
